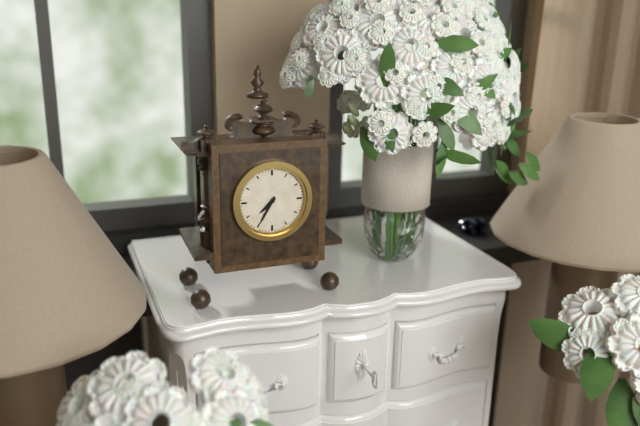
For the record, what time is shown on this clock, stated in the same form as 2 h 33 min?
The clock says 7 h 35 min
